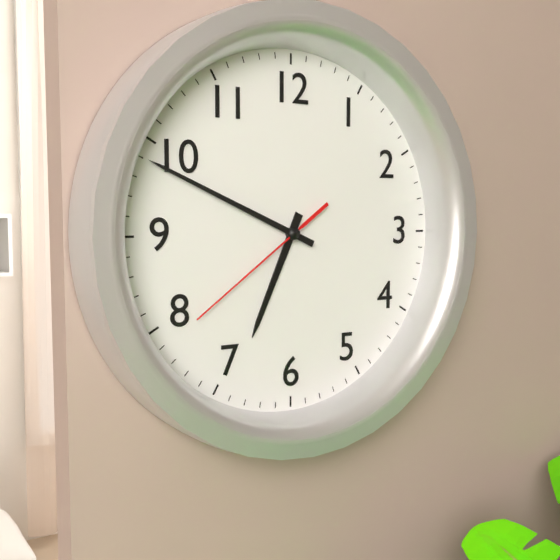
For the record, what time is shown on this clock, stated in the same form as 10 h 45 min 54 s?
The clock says 6 h 49 min 39 s
